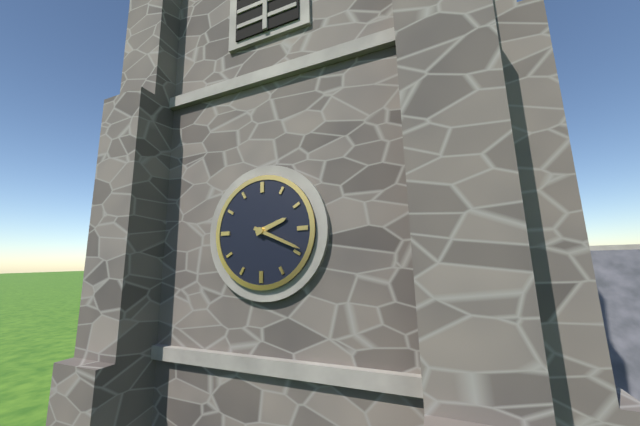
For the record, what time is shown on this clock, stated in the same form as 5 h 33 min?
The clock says 2 h 19 min
